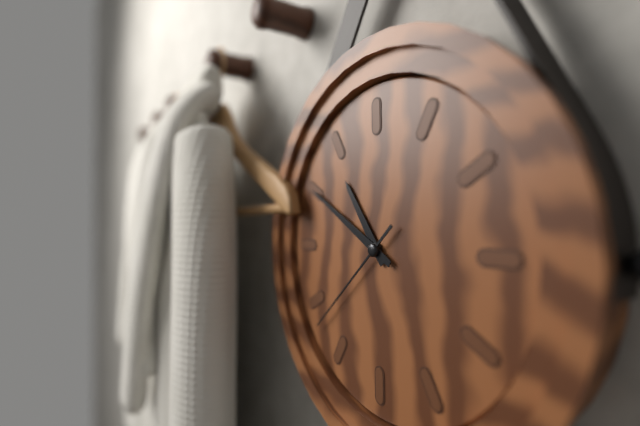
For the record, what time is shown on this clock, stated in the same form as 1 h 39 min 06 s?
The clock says 10 h 50 min 38 s
